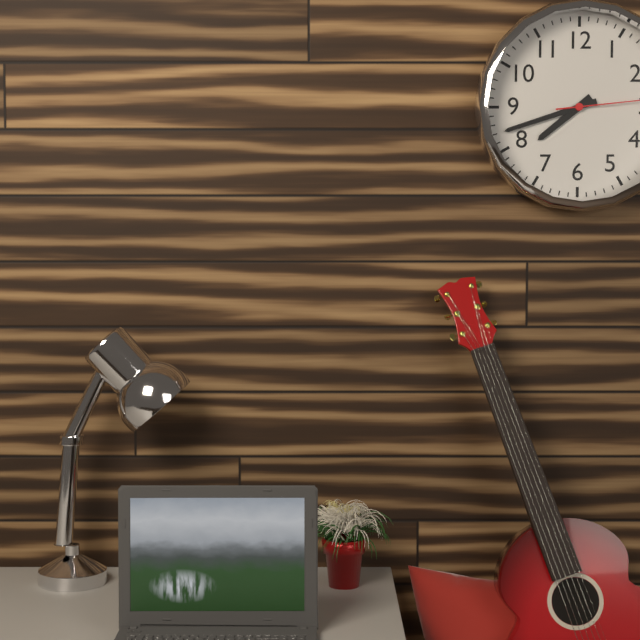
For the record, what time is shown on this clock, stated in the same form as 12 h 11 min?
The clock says 7 h 42 min
